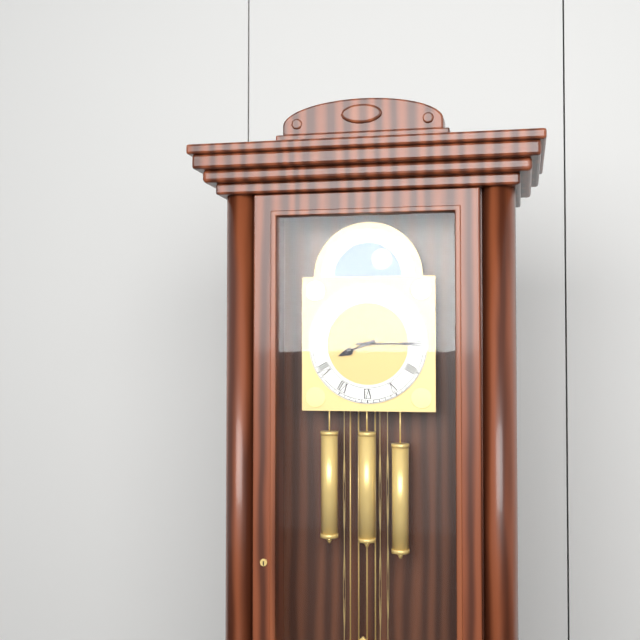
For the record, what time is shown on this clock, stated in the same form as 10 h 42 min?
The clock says 8 h 15 min
